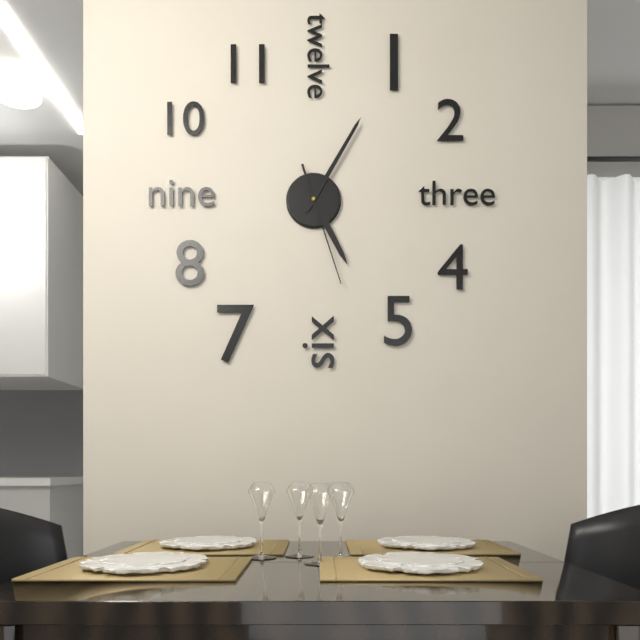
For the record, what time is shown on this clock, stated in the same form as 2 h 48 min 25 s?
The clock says 5 h 05 min 27 s
